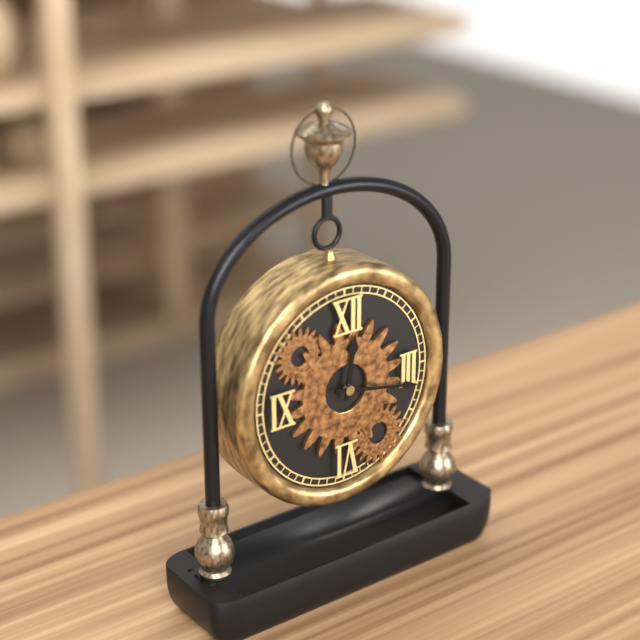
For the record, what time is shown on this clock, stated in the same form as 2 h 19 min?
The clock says 12 h 17 min
